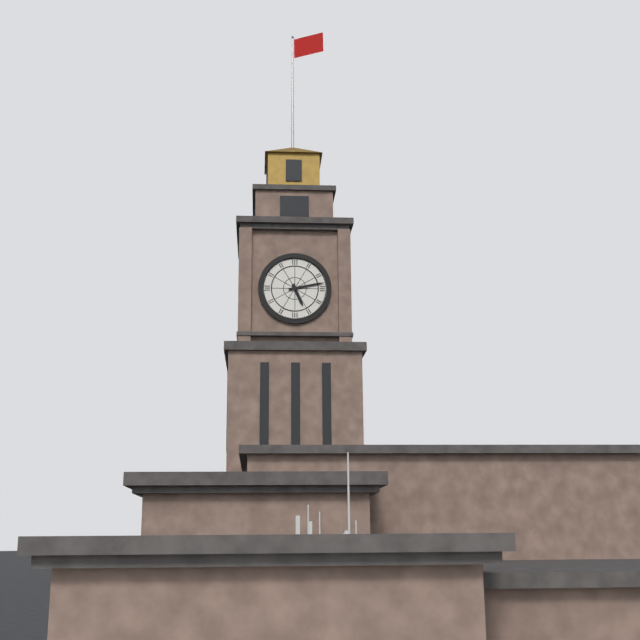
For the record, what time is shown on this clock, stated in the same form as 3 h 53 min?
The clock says 5 h 13 min
